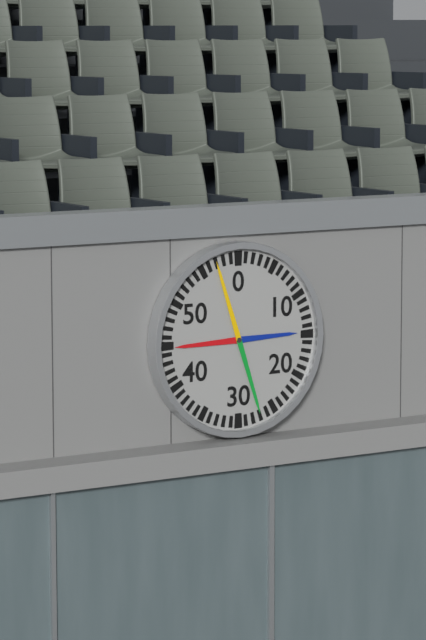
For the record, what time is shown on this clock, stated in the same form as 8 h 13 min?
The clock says 8 h 57 min
